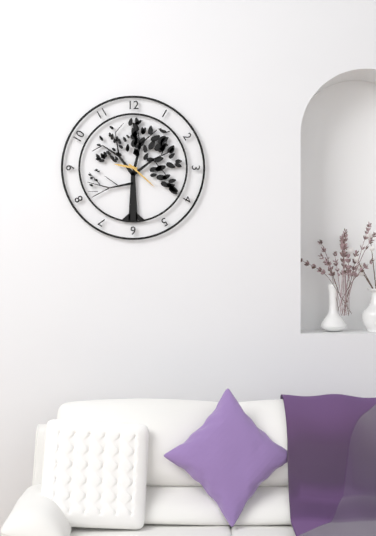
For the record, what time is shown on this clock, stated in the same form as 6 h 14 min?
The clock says 9 h 22 min
